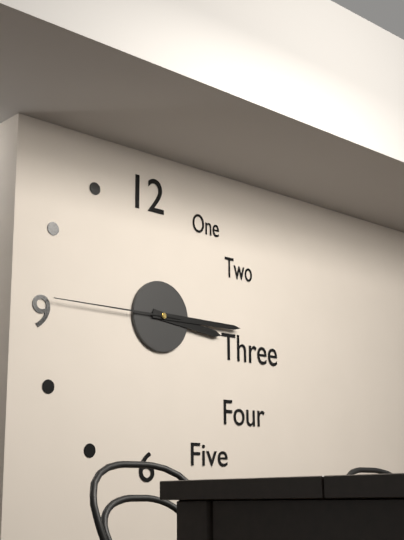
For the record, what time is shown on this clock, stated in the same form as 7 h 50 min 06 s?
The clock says 3 h 15 min 45 s
